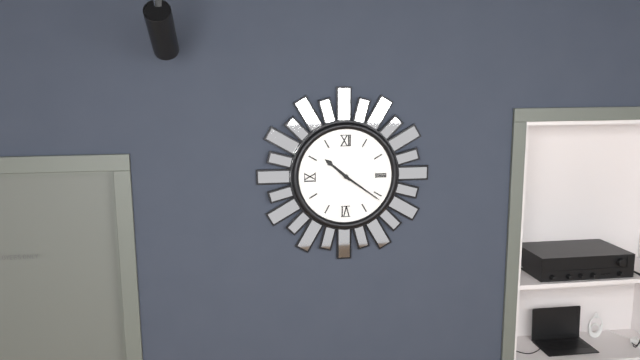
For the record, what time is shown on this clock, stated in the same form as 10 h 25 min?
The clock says 10 h 21 min
